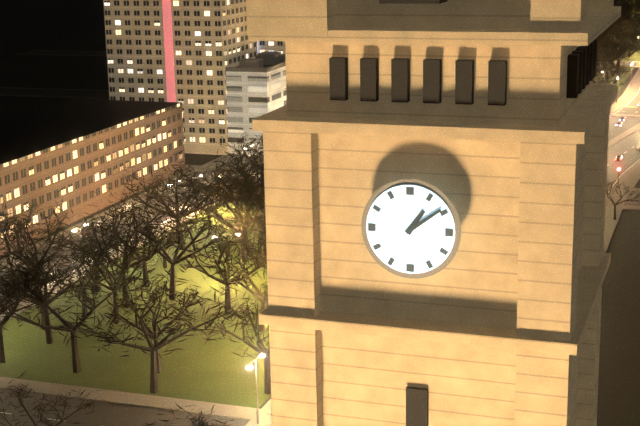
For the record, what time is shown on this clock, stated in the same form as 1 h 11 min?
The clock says 1 h 09 min
